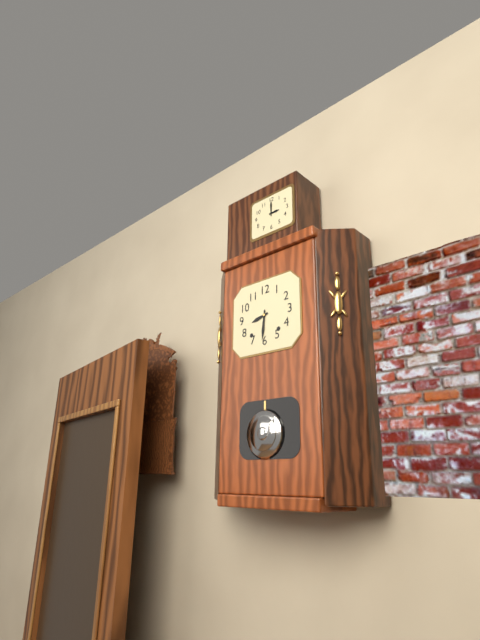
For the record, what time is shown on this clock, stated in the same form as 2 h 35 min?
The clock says 8 h 31 min
